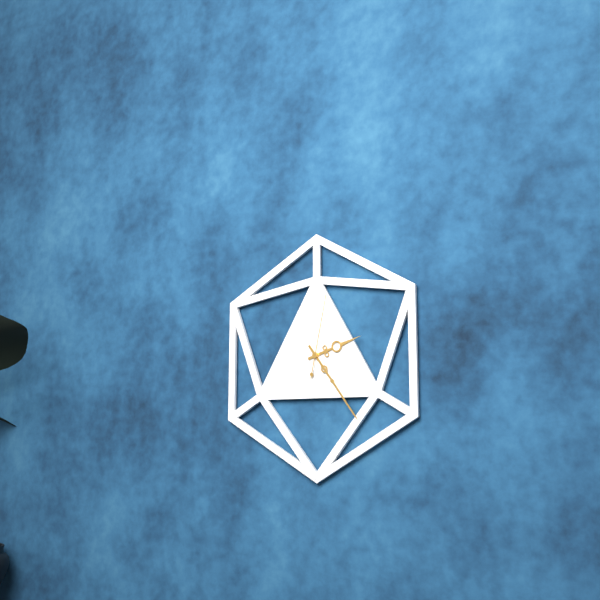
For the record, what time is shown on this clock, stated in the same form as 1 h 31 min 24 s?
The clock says 2 h 24 min 02 s
